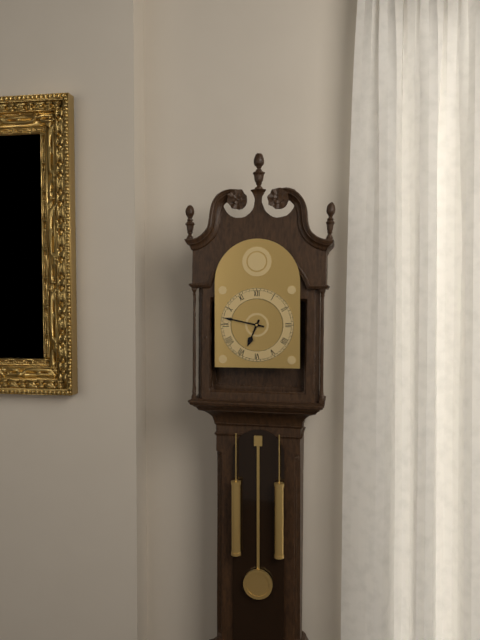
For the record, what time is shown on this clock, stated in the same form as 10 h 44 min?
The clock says 6 h 47 min
